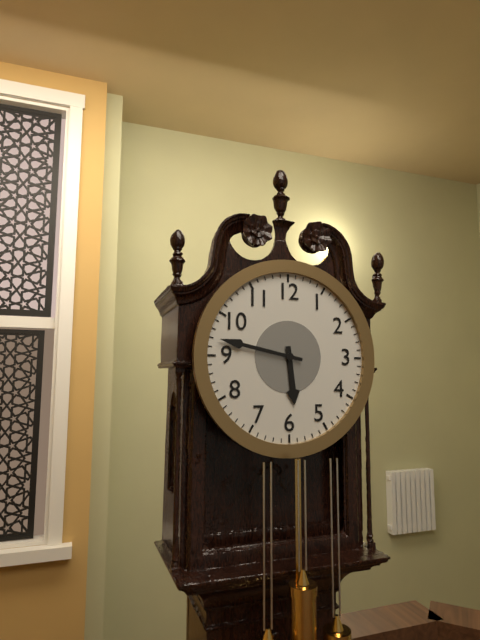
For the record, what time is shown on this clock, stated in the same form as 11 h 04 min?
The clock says 5 h 47 min
